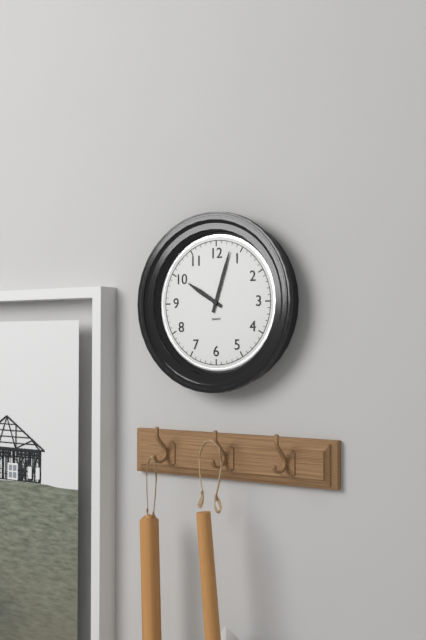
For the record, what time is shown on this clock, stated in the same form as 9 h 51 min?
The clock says 10 h 03 min
